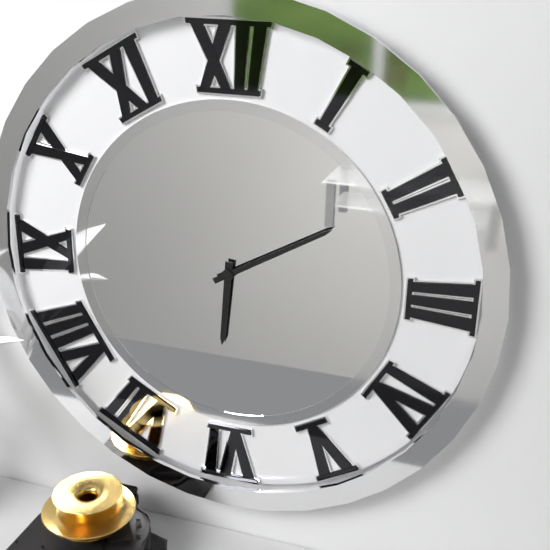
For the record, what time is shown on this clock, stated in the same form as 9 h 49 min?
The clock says 6 h 10 min
